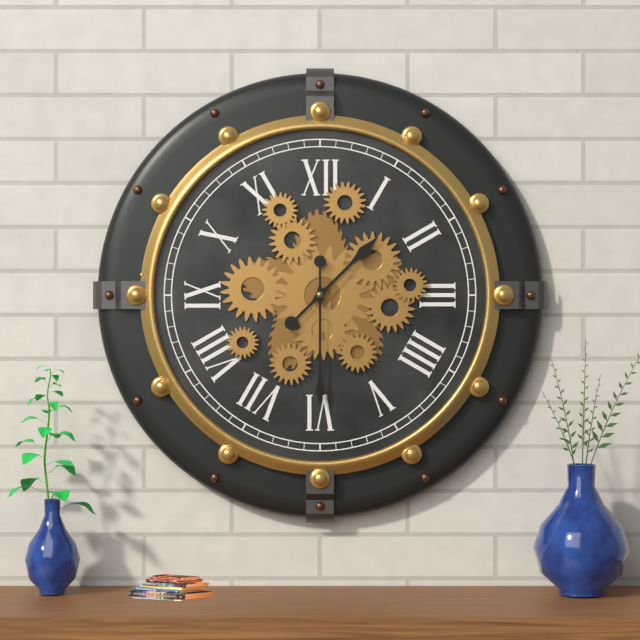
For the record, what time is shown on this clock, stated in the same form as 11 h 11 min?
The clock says 1 h 30 min
